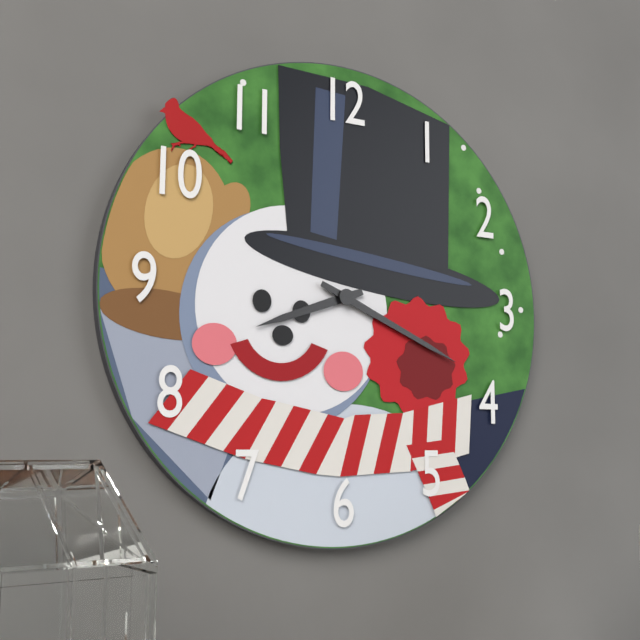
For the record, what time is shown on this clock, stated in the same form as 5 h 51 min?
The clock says 8 h 19 min
